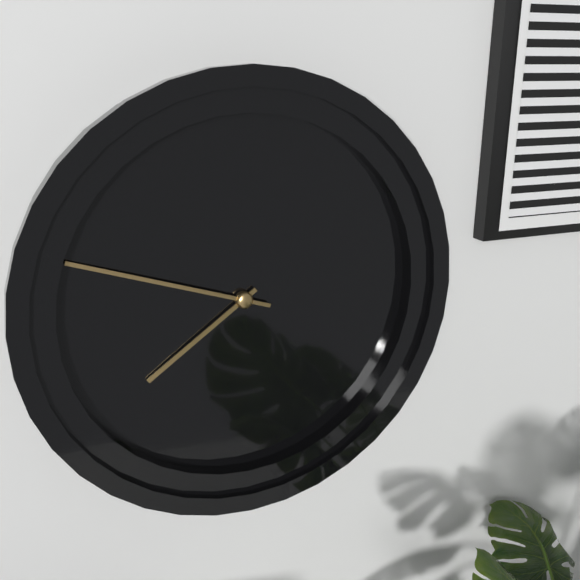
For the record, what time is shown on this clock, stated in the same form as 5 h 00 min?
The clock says 7 h 48 min
